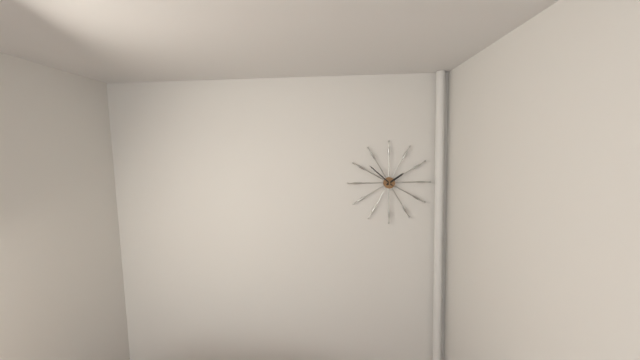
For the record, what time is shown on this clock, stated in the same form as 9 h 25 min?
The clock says 1 h 52 min
